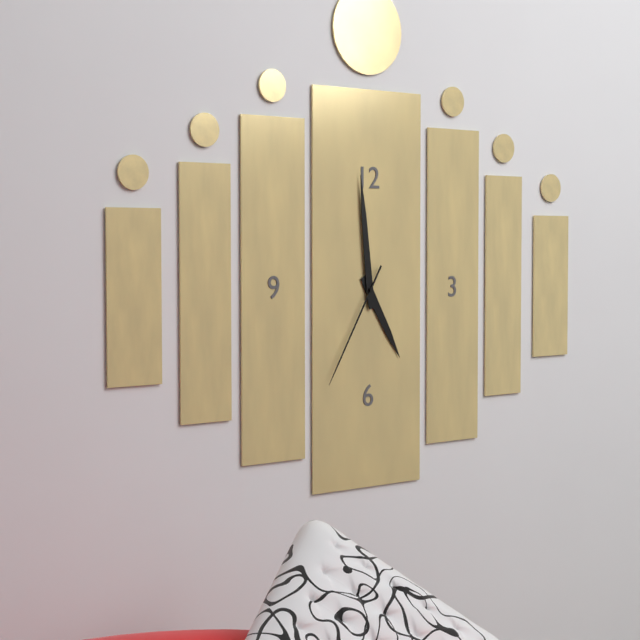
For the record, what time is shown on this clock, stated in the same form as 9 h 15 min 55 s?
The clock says 4 h 59 min 35 s
